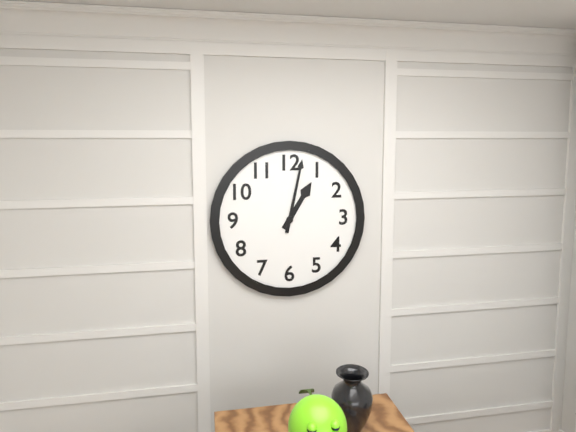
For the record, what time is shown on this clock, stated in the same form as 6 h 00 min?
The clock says 1 h 02 min
